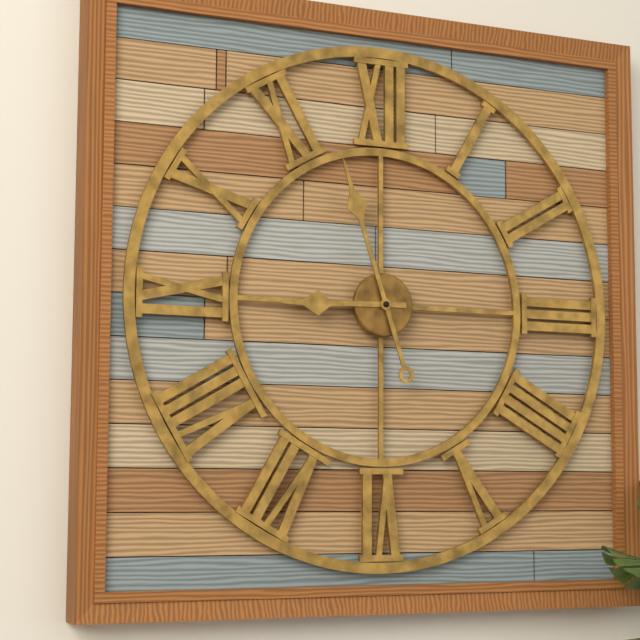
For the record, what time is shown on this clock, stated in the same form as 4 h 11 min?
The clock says 8 h 57 min
